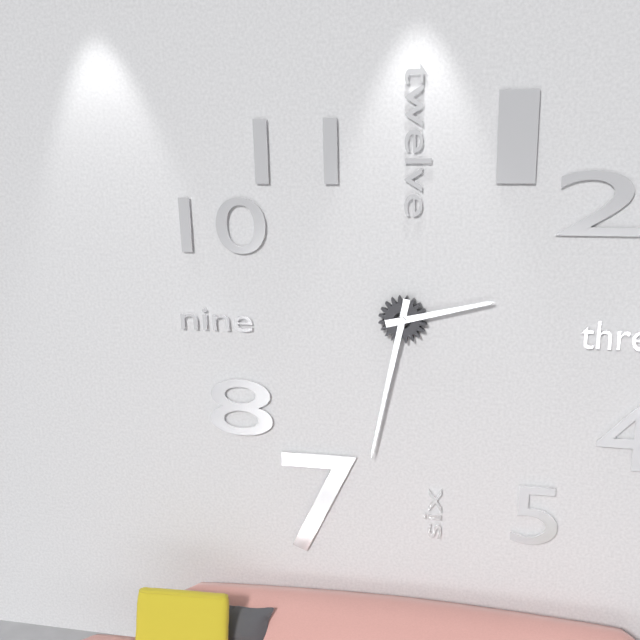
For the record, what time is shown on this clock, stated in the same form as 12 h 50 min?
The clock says 2 h 32 min
